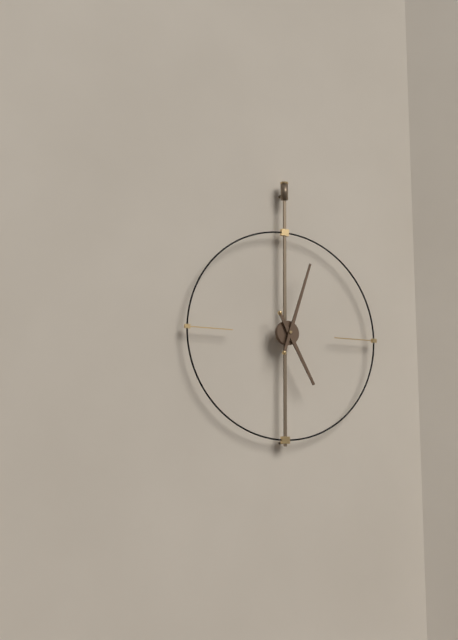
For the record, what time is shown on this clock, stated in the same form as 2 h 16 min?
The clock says 5 h 03 min
